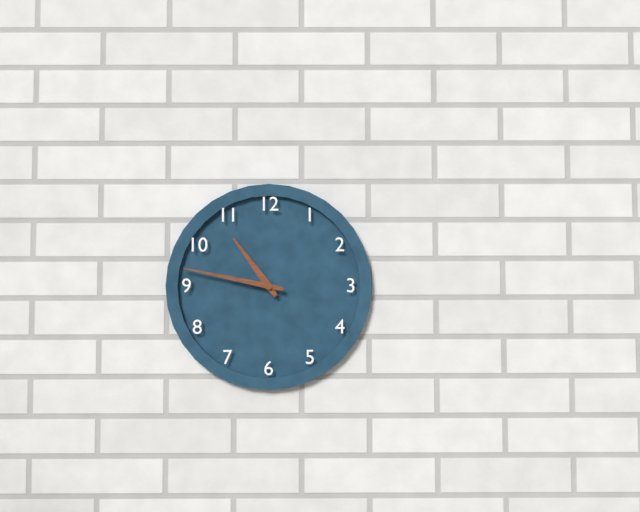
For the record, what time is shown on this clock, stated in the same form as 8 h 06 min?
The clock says 10 h 47 min
